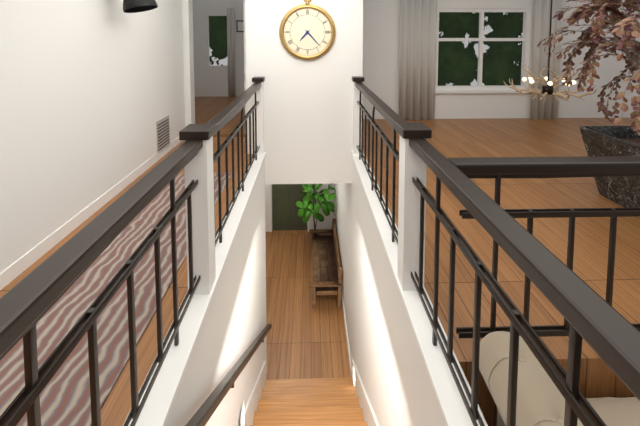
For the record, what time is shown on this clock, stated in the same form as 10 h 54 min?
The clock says 7 h 23 min
